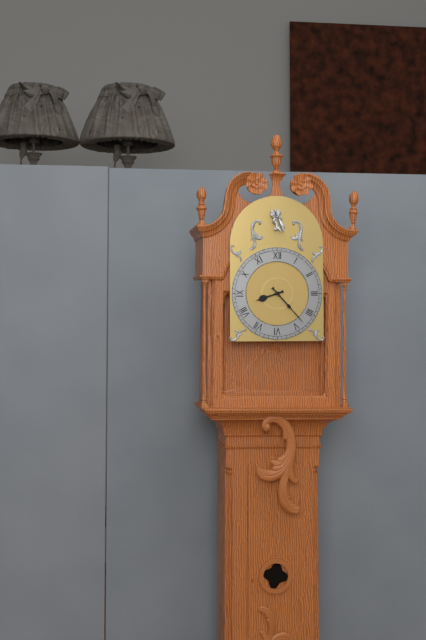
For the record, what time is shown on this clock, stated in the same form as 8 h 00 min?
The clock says 8 h 23 min
